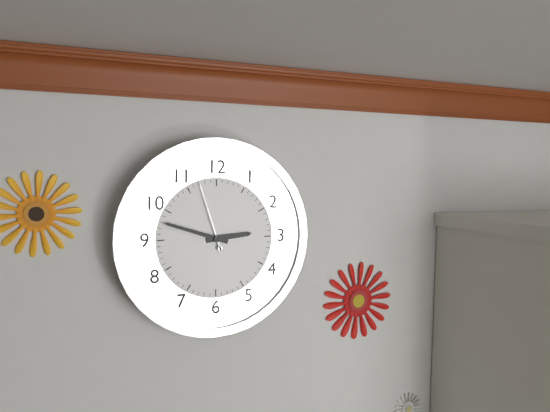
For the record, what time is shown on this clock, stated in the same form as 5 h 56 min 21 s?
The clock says 2 h 48 min 57 s
